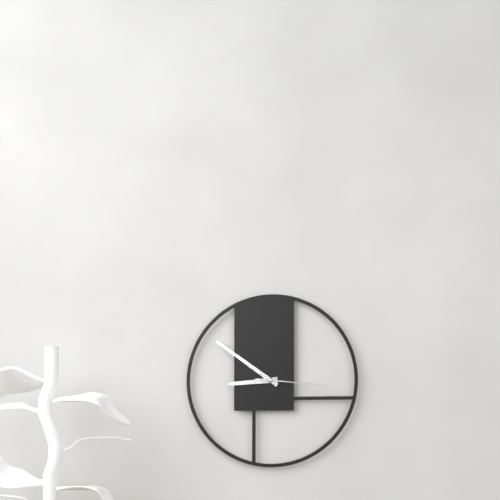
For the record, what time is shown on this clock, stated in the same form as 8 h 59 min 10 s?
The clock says 8 h 51 min 16 s
